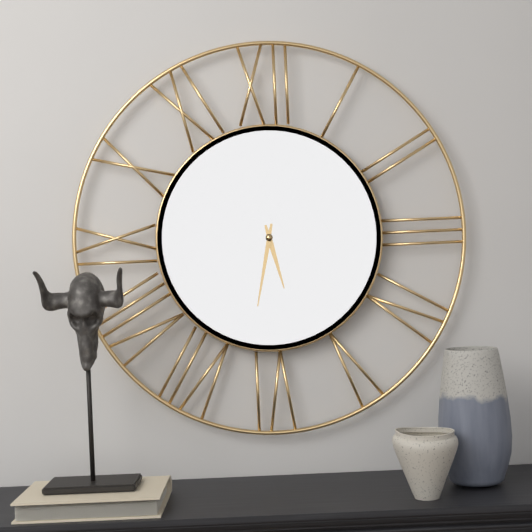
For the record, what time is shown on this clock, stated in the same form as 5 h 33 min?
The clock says 5 h 32 min
